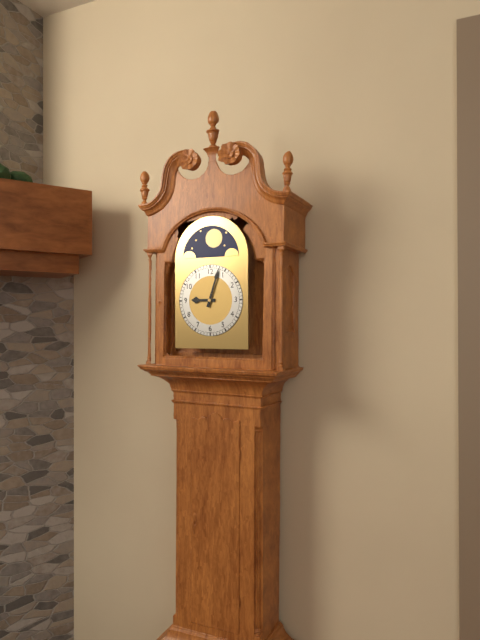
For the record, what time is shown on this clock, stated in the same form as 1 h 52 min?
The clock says 9 h 03 min
